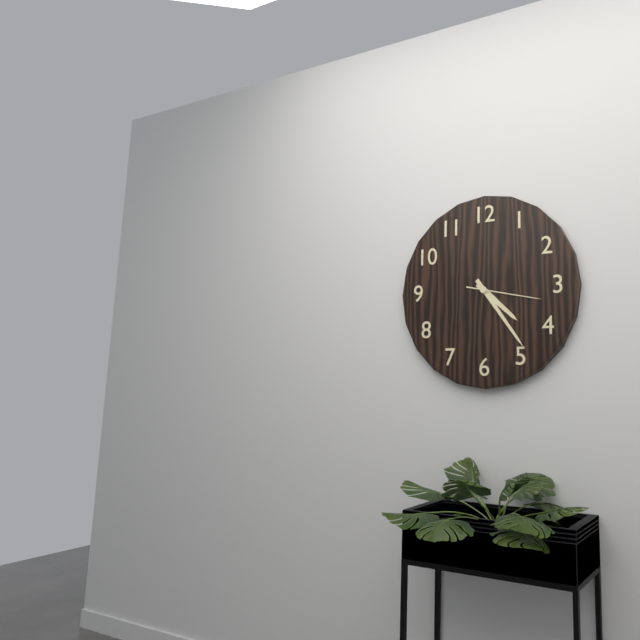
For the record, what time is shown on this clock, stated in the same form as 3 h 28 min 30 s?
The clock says 4 h 24 min 17 s
